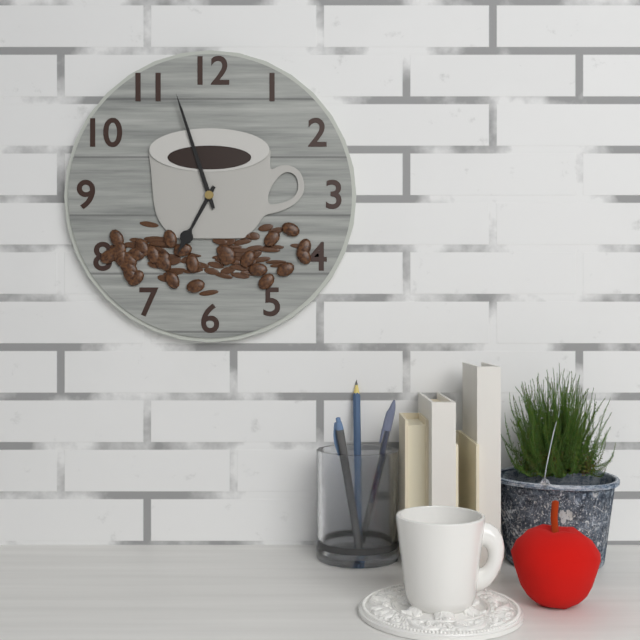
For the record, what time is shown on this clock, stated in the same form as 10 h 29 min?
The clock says 6 h 57 min
